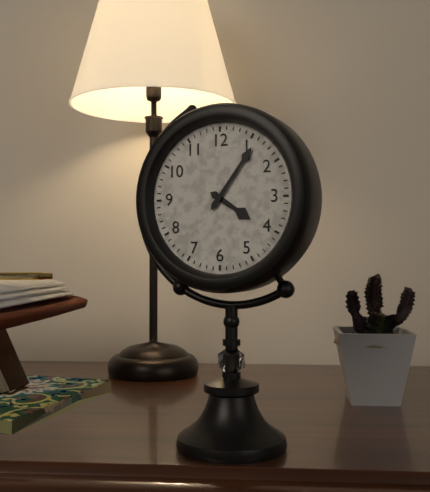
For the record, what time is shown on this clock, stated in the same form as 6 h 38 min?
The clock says 4 h 06 min
